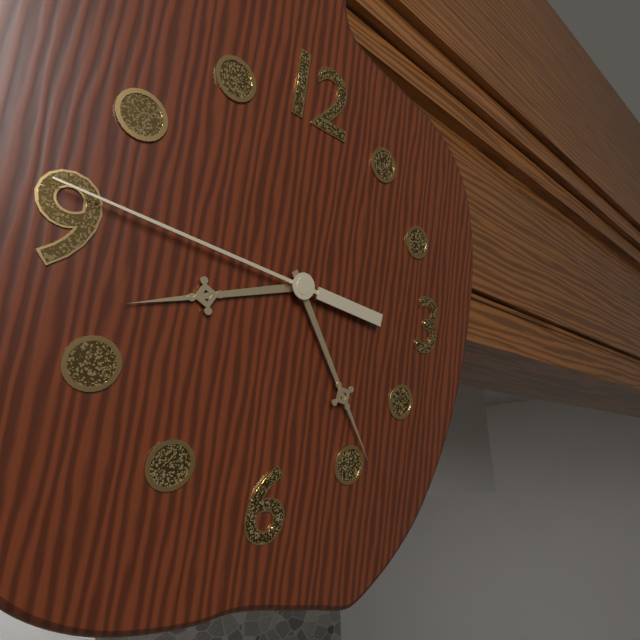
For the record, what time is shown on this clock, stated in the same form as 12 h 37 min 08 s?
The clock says 8 h 24 min 46 s
